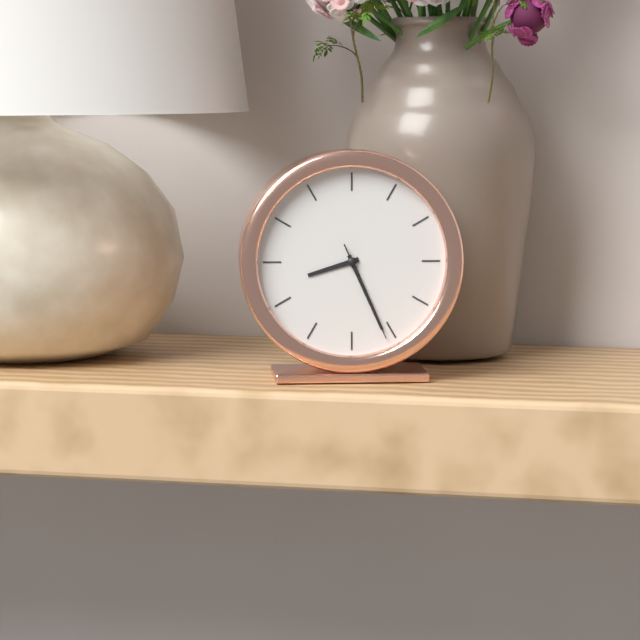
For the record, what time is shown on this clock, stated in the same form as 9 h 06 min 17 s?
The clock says 8 h 26 min 26 s
